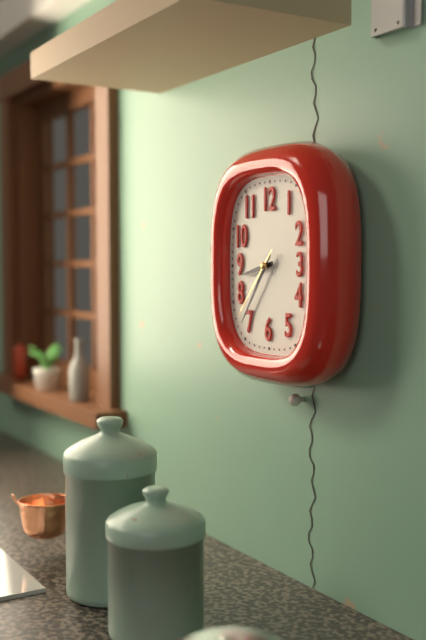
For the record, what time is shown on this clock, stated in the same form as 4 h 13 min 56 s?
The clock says 8 h 36 min 37 s
